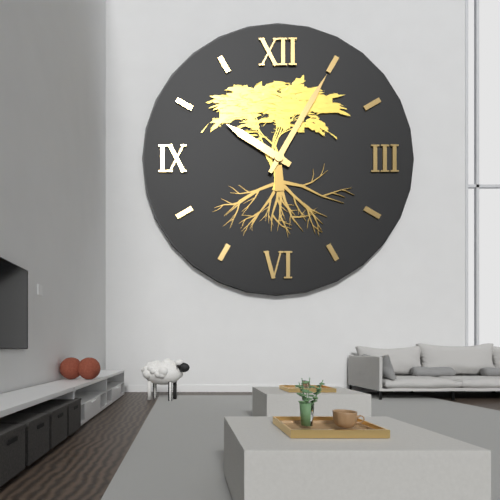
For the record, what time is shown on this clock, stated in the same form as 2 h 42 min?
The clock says 10 h 05 min
